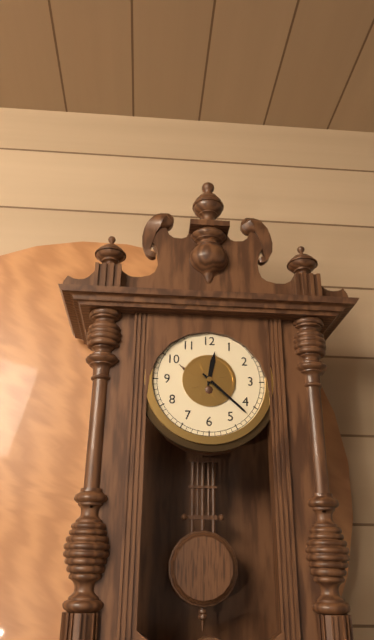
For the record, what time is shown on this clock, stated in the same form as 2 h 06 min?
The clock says 12 h 22 min
